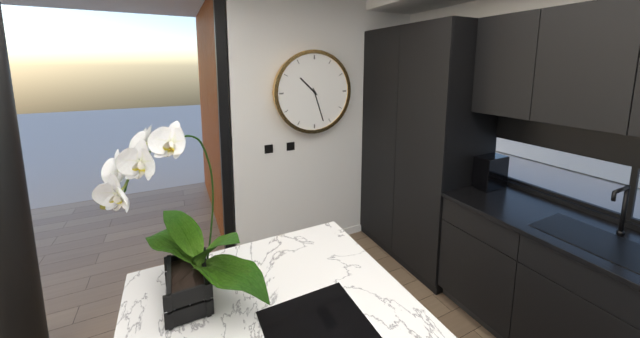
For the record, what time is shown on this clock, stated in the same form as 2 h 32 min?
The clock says 10 h 27 min
